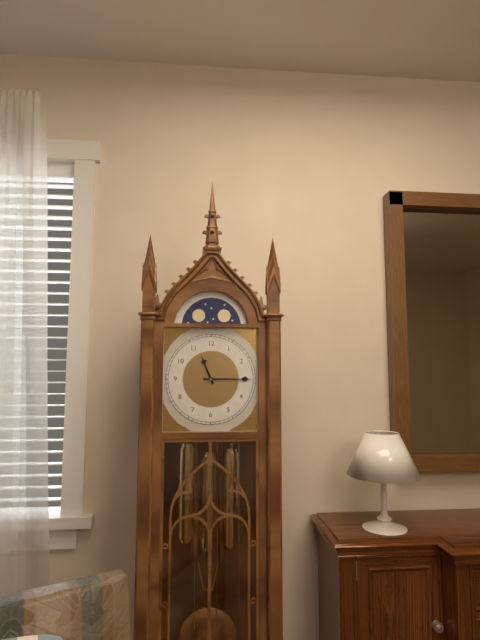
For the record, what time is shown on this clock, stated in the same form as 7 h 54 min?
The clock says 11 h 15 min
